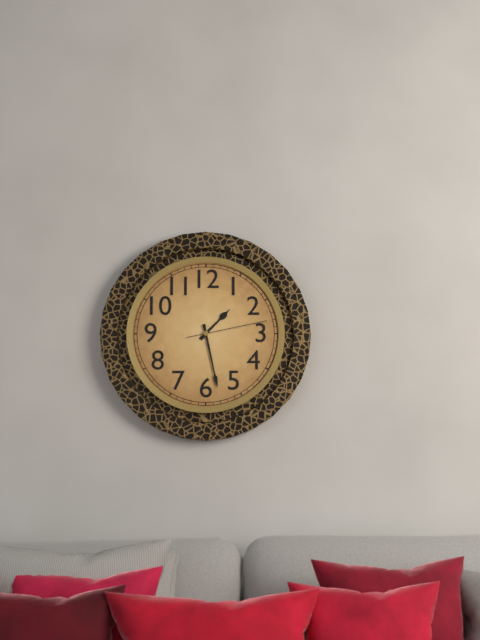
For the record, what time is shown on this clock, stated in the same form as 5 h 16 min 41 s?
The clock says 1 h 28 min 13 s
